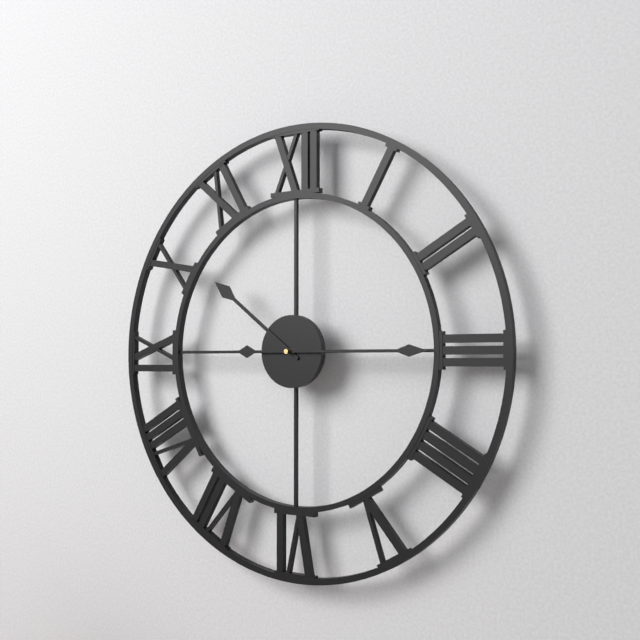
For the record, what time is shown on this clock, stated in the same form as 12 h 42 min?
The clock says 10 h 15 min
